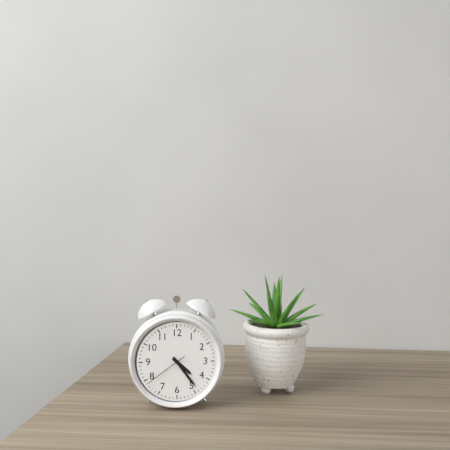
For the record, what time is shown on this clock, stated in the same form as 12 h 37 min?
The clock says 4 h 24 min
